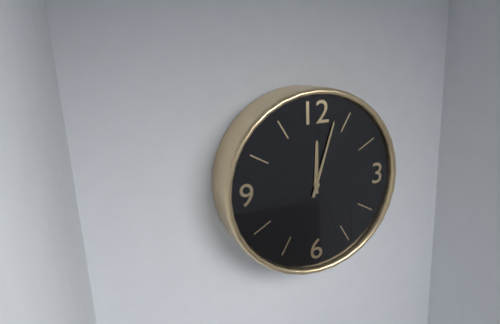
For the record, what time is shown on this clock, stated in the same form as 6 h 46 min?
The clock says 12 h 03 min
